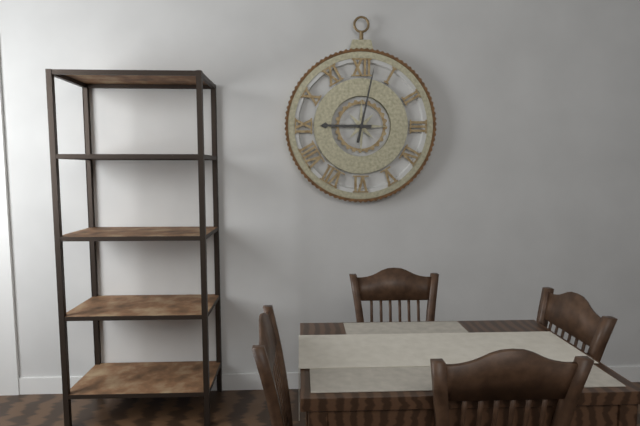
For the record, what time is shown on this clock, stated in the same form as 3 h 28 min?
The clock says 9 h 02 min
